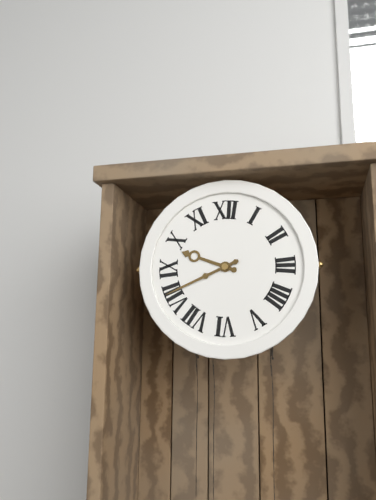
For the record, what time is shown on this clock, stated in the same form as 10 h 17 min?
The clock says 9 h 41 min
